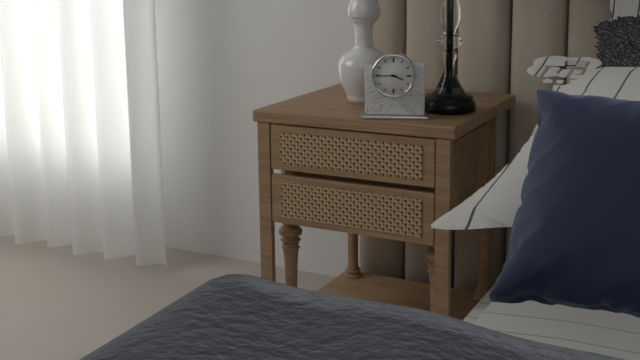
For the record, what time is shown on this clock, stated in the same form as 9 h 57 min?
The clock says 3 h 45 min
